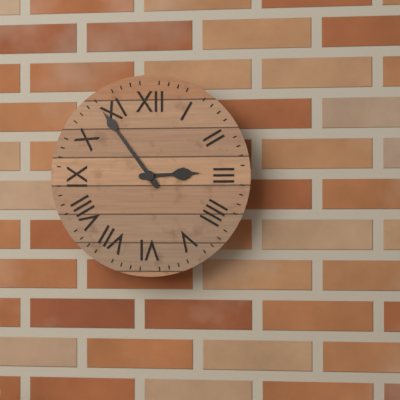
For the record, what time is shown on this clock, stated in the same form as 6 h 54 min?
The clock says 2 h 54 min
